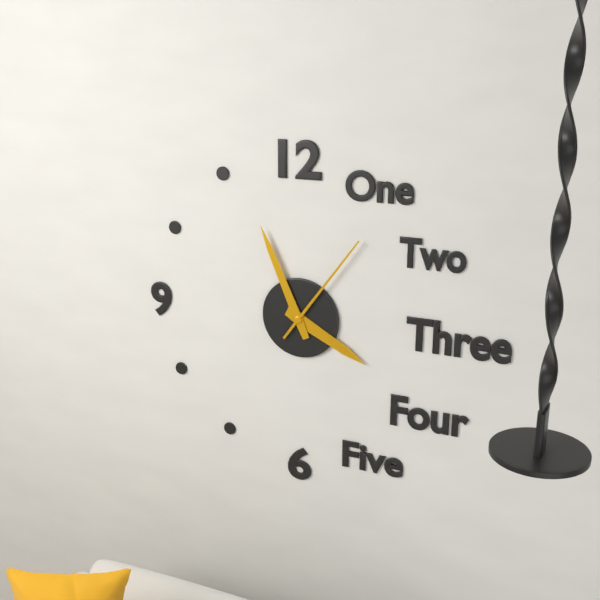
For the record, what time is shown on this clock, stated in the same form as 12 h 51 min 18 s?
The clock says 3 h 56 min 06 s
